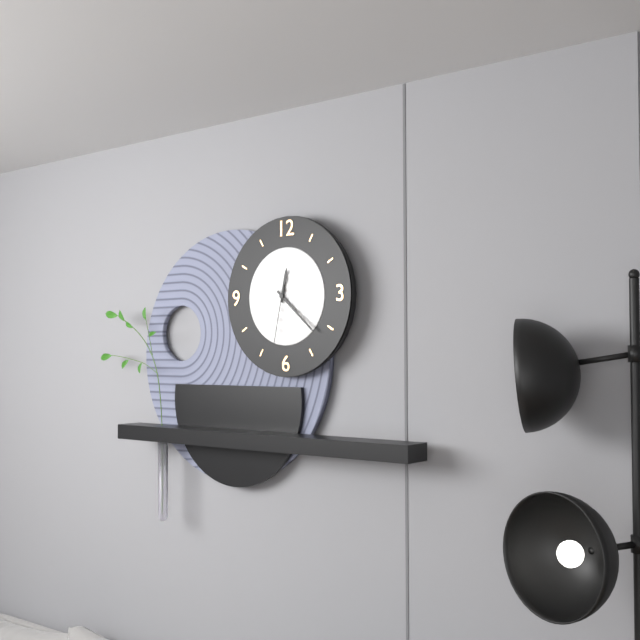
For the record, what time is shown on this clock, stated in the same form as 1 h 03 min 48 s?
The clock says 12 h 22 min 32 s
